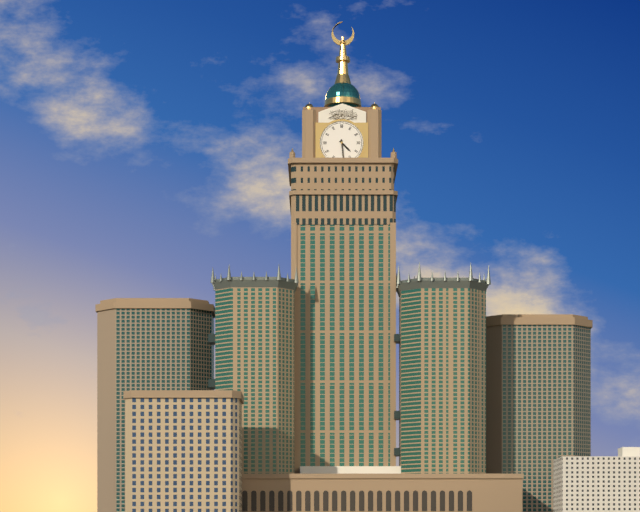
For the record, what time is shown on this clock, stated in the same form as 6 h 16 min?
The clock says 4 h 29 min
